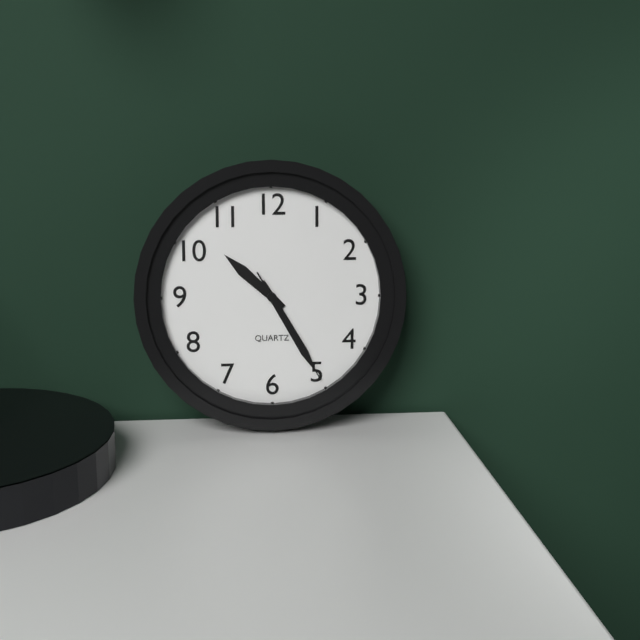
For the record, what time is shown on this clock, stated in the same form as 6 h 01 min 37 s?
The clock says 10 h 25 min 25 s
